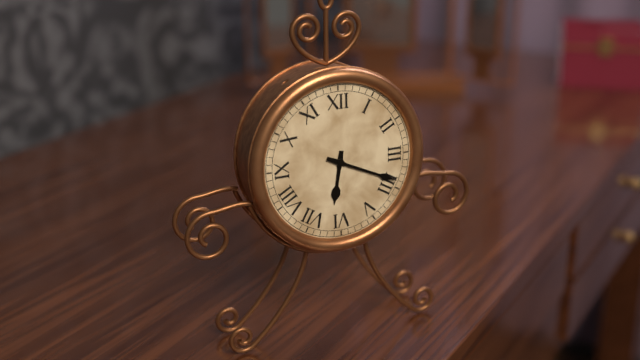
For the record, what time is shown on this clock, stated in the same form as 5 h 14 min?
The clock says 6 h 19 min
